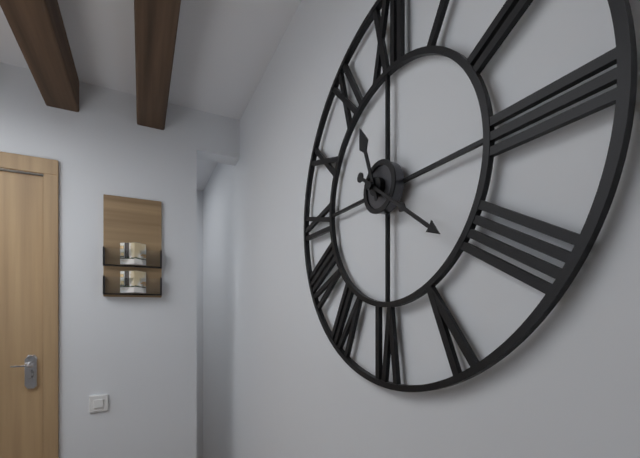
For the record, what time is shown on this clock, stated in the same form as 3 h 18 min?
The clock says 11 h 21 min
